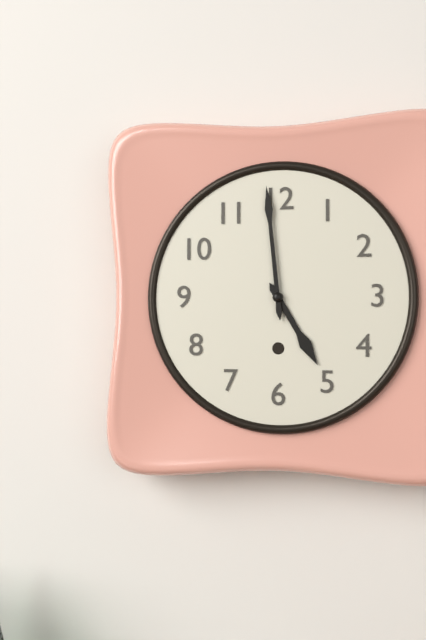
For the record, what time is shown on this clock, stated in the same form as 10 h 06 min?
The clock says 4 h 59 min
